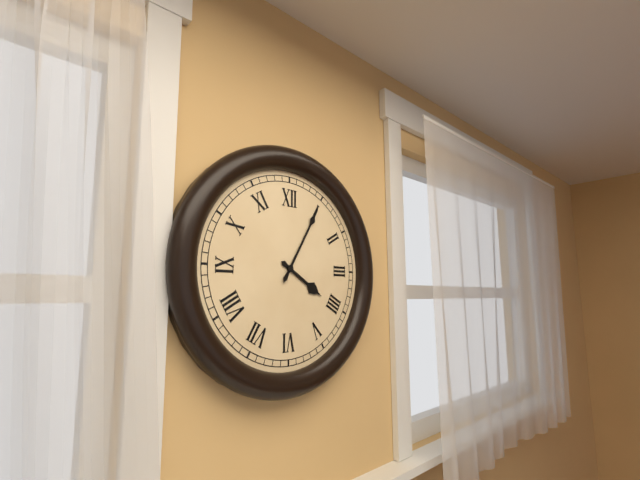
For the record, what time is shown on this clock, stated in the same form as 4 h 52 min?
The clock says 4 h 05 min
